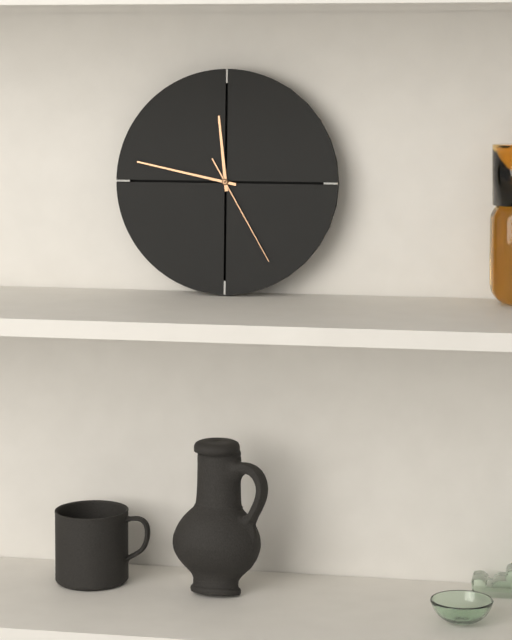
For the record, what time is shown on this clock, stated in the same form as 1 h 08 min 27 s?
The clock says 11 h 47 min 25 s
